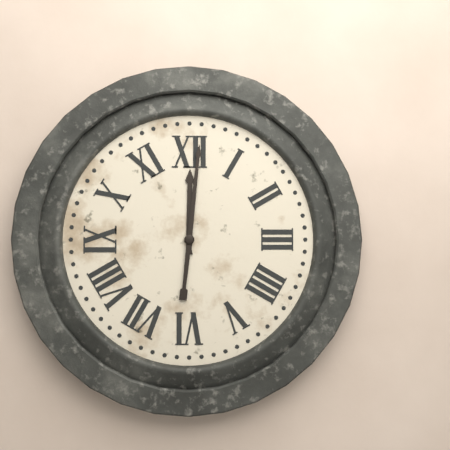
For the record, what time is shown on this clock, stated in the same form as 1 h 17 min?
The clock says 12 h 01 min
